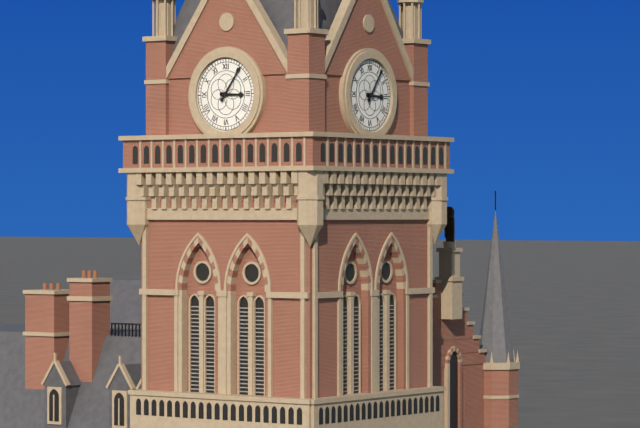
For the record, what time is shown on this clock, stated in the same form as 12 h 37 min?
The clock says 3 h 06 min
